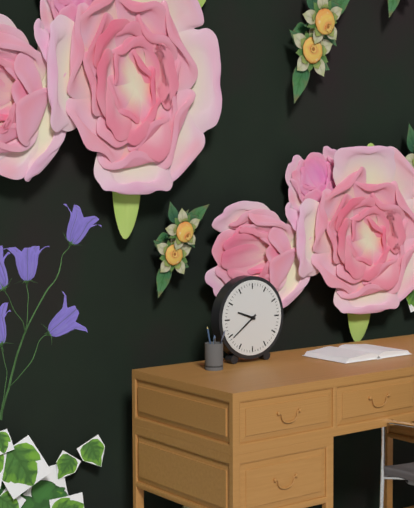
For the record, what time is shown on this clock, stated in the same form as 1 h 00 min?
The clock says 9 h 39 min
